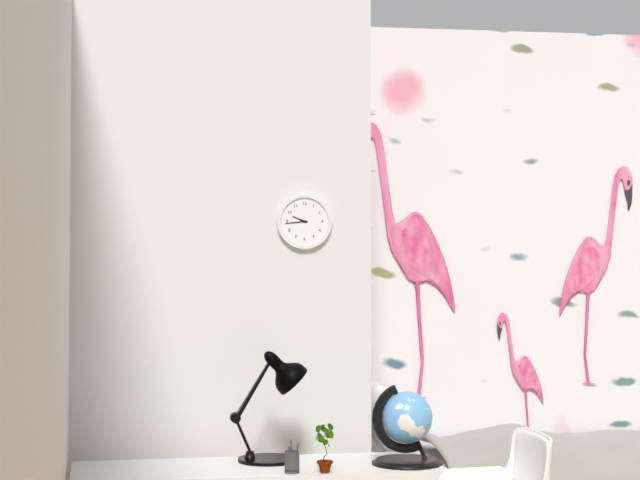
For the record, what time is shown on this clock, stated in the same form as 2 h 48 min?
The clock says 9 h 44 min
